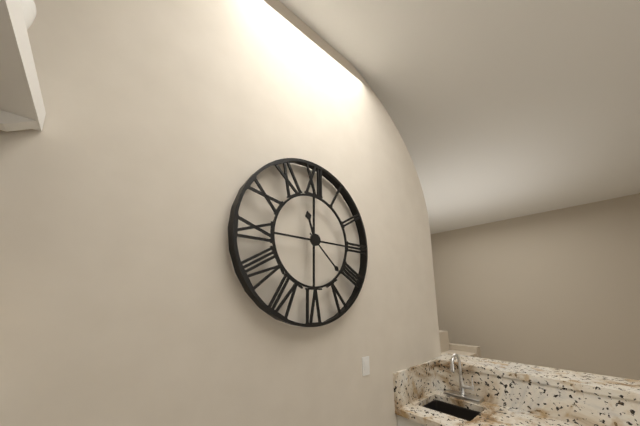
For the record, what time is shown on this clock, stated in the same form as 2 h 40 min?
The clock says 11 h 22 min
